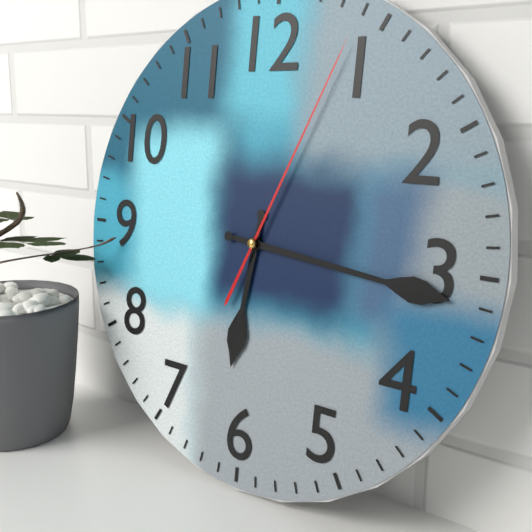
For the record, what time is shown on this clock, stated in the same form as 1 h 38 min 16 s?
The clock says 6 h 16 min 04 s
